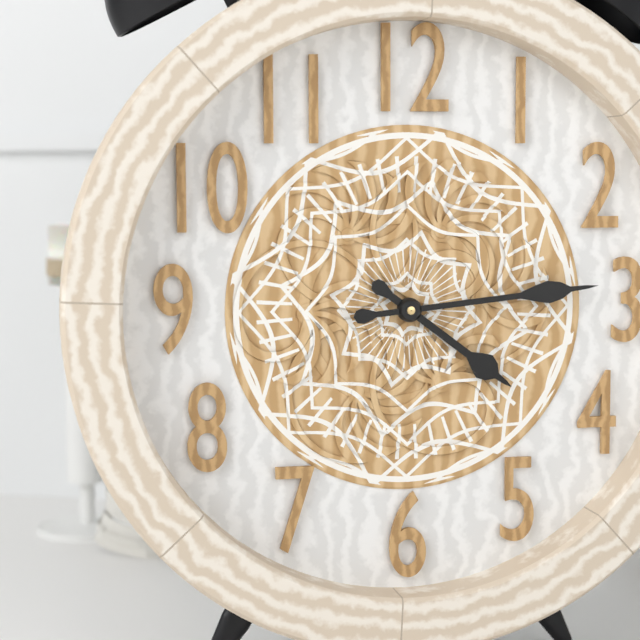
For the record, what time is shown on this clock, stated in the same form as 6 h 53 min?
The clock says 4 h 14 min
